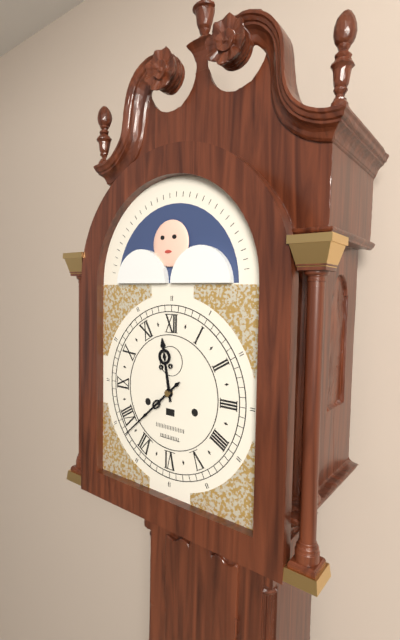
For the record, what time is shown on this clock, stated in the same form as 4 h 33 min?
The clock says 11 h 38 min
